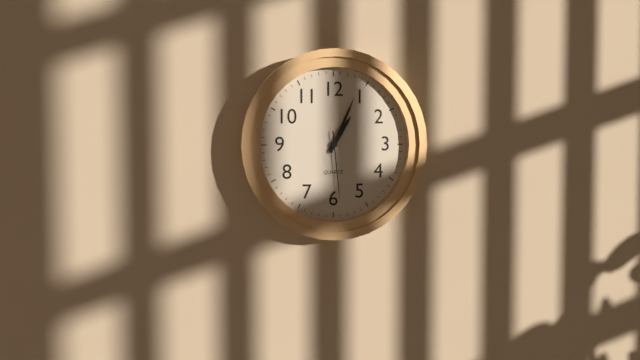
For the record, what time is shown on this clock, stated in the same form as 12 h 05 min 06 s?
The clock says 1 h 04 min 29 s
